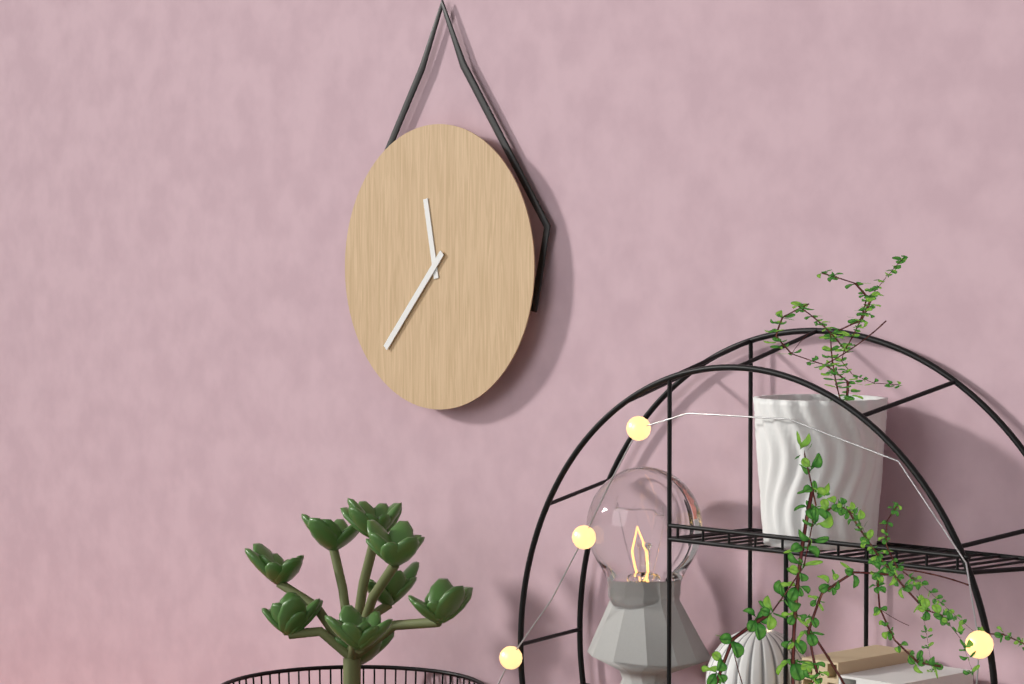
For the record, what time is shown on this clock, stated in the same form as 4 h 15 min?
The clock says 11 h 37 min
